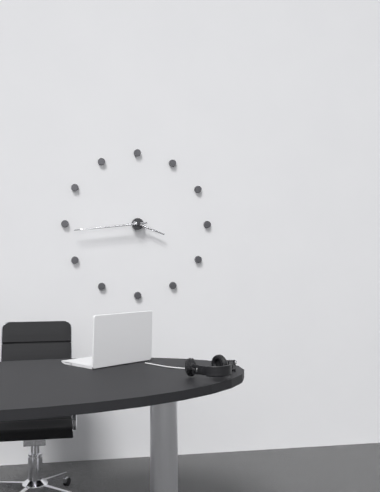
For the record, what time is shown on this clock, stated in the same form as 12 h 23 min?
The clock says 3 h 44 min
